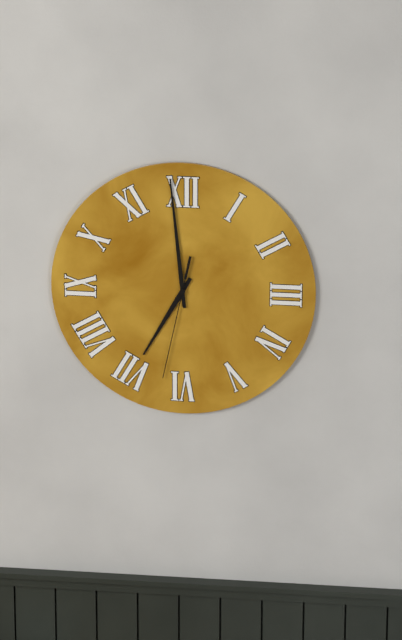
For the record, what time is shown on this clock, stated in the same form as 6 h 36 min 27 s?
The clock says 6 h 59 min 32 s
